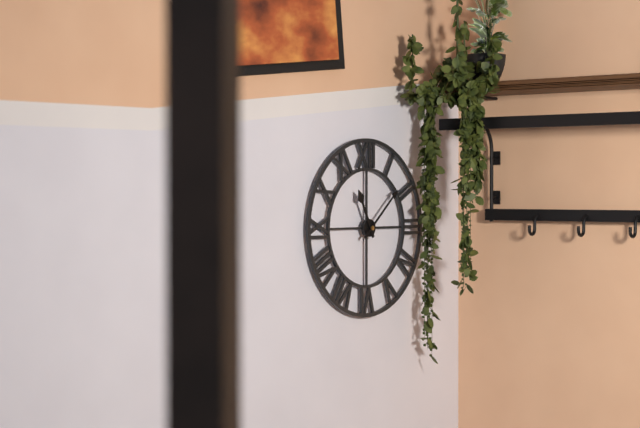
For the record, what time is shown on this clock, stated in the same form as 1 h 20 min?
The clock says 11 h 08 min
